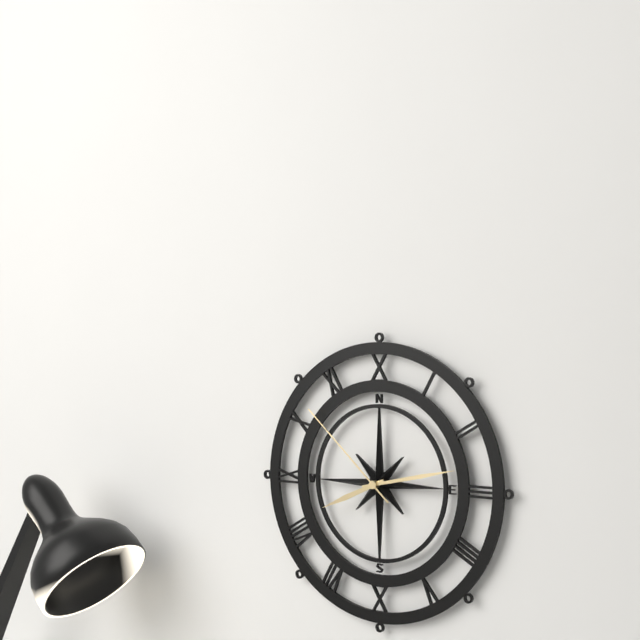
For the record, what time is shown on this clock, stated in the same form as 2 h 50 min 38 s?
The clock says 8 h 13 min 52 s
